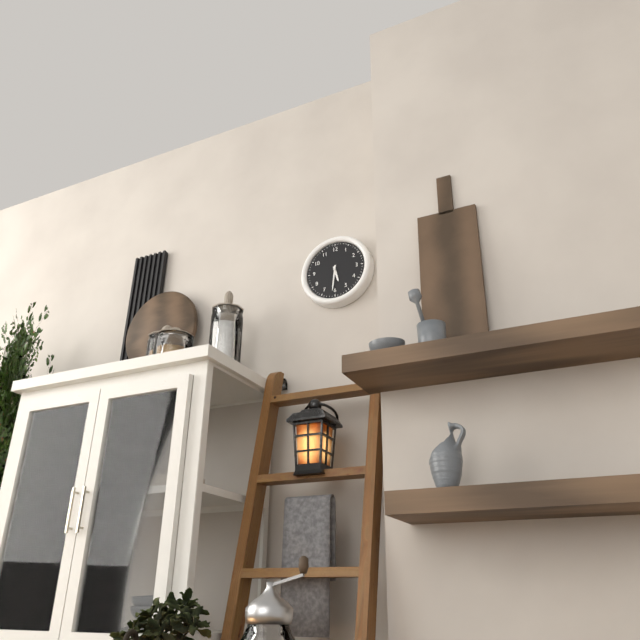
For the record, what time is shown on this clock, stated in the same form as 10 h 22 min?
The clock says 5 h 31 min
